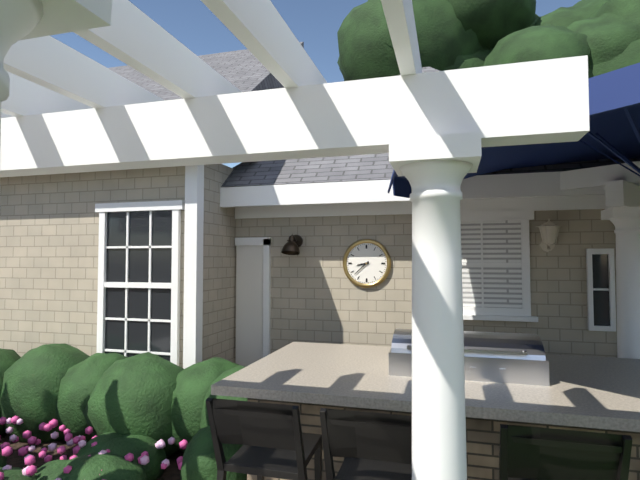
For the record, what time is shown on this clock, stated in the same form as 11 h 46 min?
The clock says 8 h 38 min
